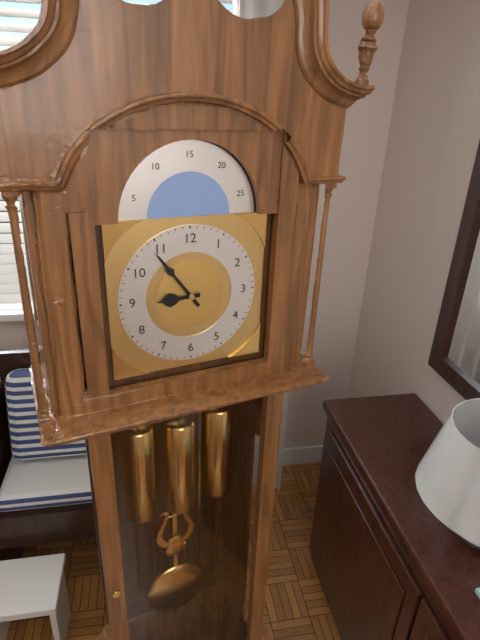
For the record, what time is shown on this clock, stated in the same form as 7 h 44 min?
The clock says 8 h 54 min
